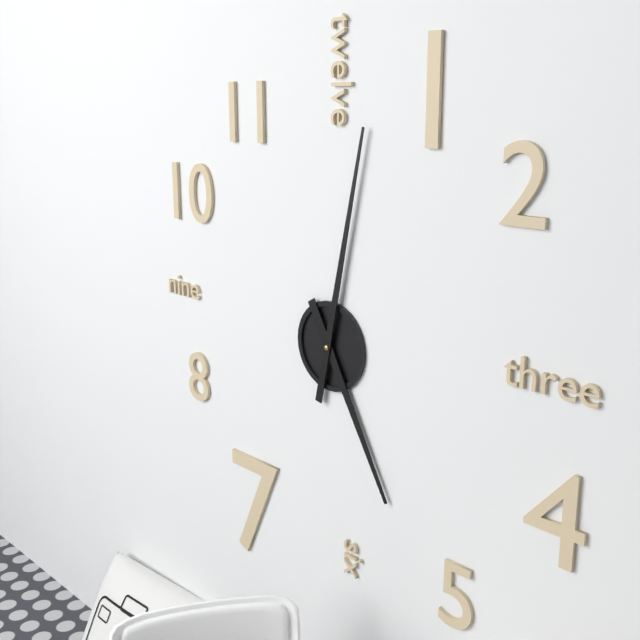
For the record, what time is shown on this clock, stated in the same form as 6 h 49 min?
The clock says 5 h 02 min
